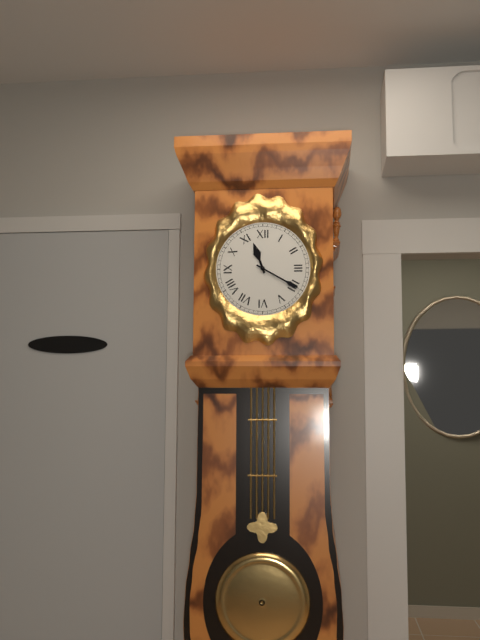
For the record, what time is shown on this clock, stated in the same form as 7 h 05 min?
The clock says 11 h 20 min
